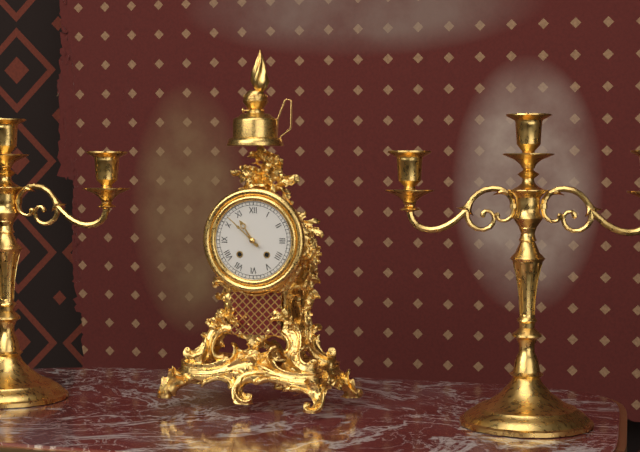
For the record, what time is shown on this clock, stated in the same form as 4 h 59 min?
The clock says 10 h 52 min
